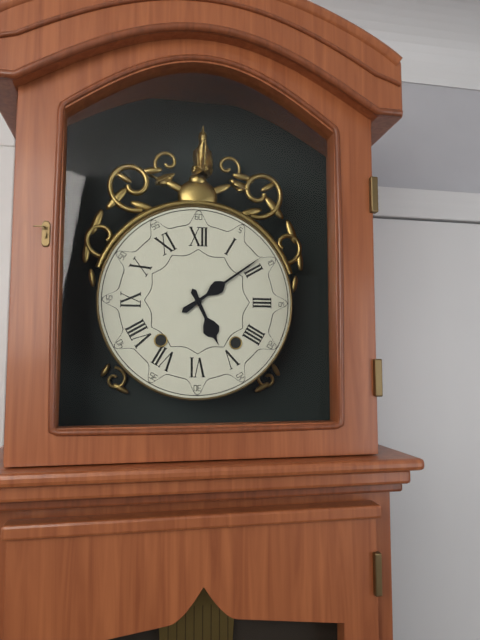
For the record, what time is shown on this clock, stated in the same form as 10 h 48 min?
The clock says 5 h 09 min
